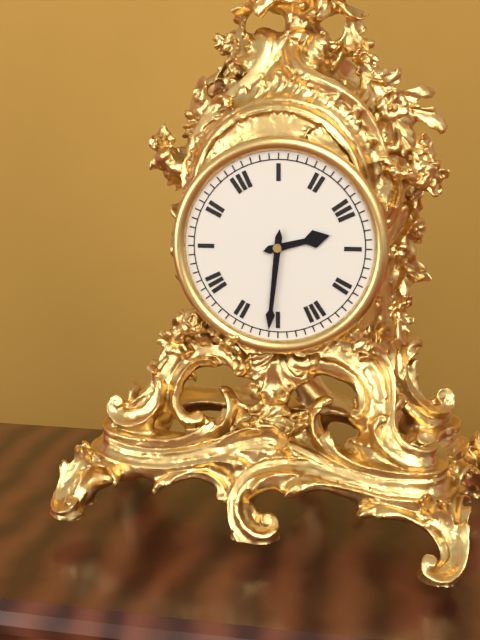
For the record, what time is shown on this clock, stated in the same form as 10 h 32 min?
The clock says 2 h 31 min
